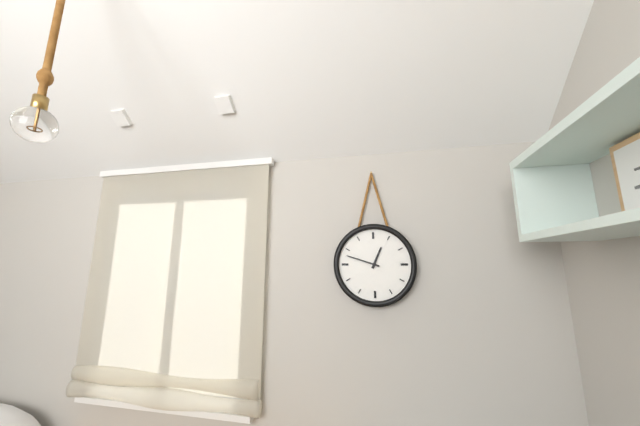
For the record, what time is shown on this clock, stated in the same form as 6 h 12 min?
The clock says 12 h 48 min
